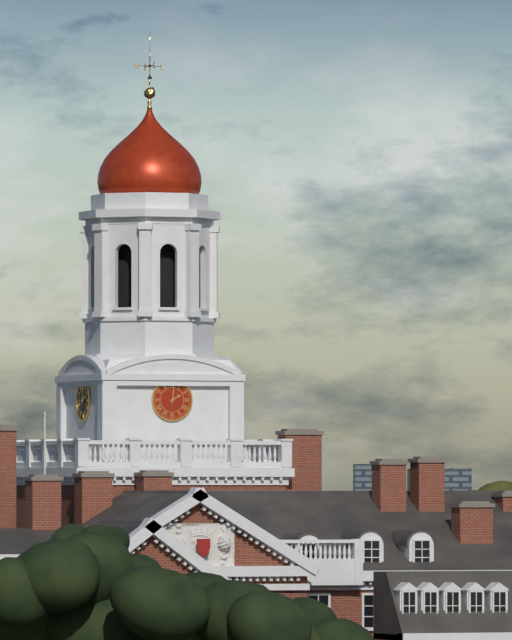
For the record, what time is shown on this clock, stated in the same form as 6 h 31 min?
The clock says 2 h 01 min
